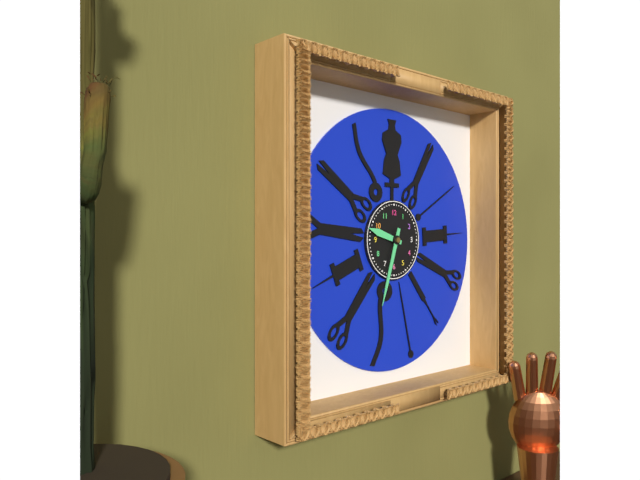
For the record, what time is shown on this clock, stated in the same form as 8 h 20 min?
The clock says 9 h 33 min
